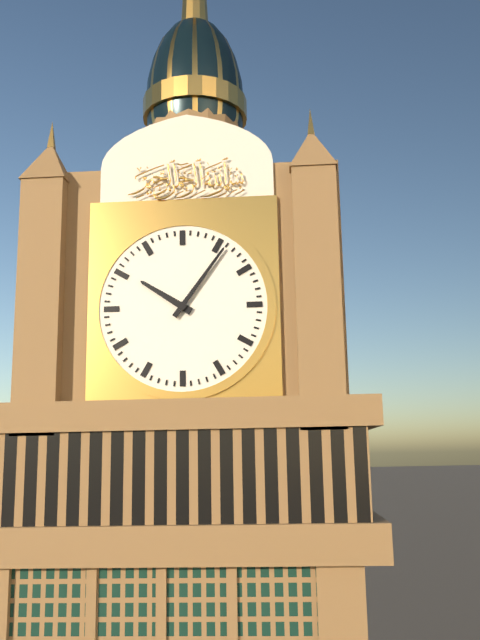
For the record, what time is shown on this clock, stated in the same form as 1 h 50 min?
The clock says 10 h 06 min
